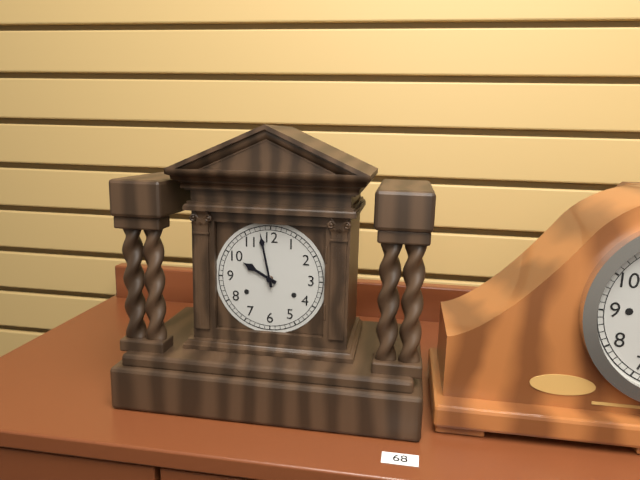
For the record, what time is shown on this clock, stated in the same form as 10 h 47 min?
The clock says 9 h 58 min
